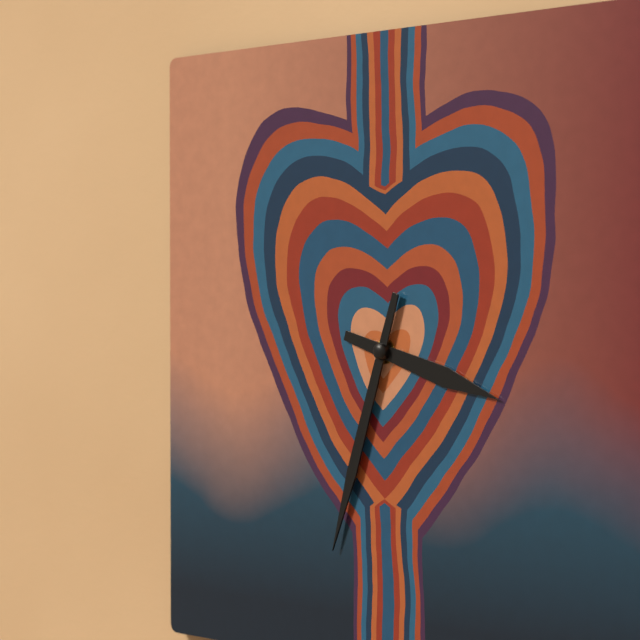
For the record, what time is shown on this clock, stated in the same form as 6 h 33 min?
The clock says 3 h 33 min
